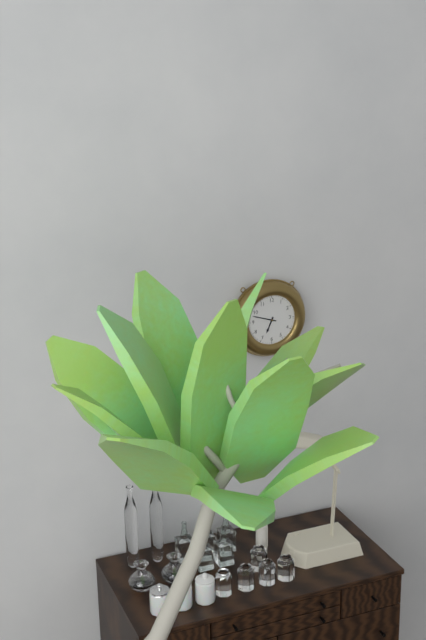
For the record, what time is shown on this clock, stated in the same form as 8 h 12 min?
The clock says 6 h 48 min
